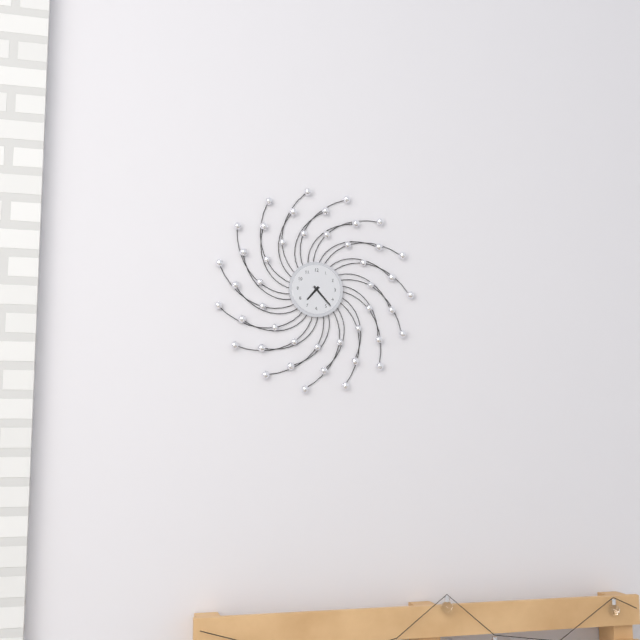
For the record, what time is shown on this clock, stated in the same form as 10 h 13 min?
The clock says 7 h 23 min
